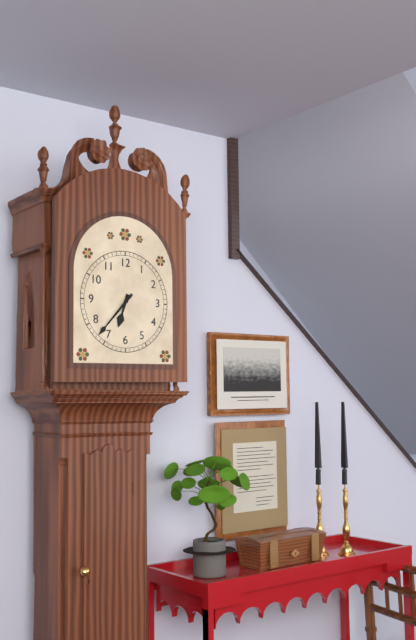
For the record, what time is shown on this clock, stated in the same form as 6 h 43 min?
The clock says 6 h 37 min
